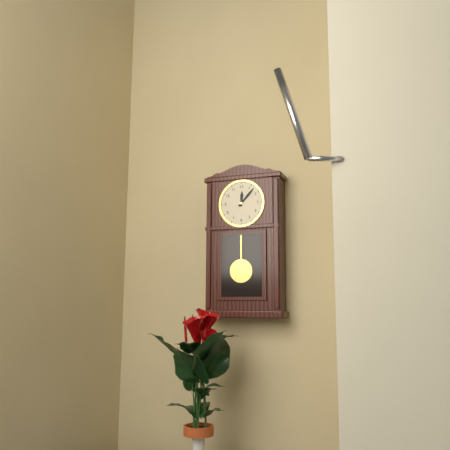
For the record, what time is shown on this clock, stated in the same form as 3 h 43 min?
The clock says 12 h 07 min
